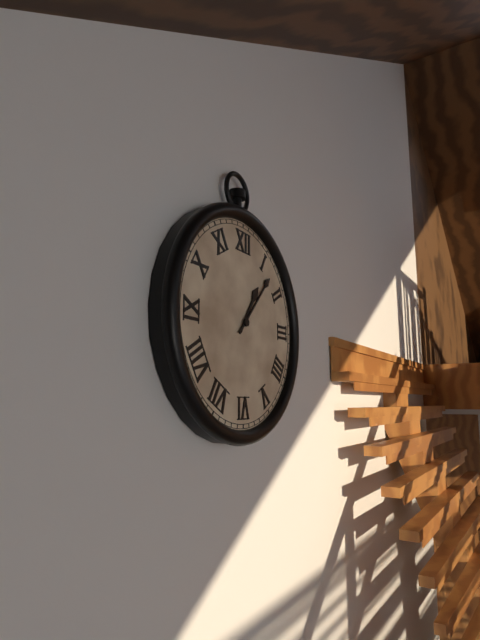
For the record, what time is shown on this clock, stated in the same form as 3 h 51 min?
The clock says 1 h 07 min
